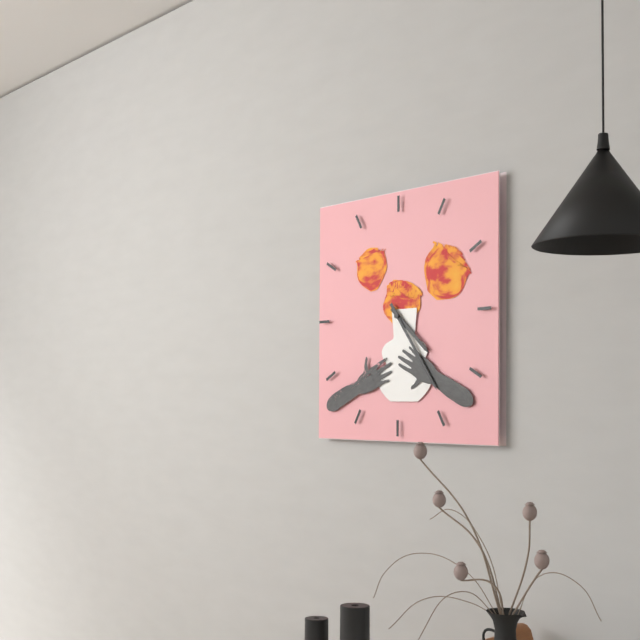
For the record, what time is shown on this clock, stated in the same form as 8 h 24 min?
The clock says 4 h 24 min
